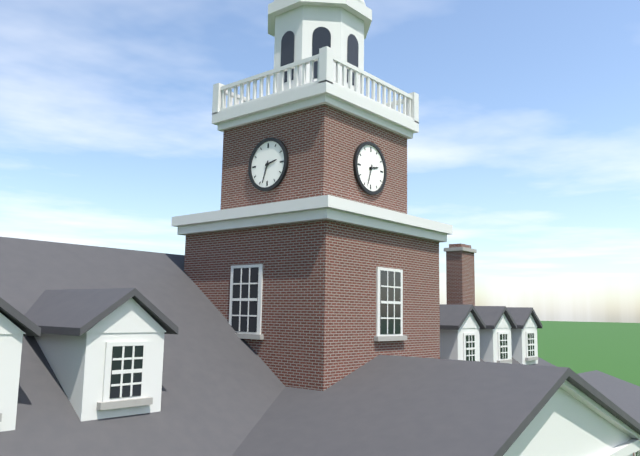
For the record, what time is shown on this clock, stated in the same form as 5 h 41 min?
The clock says 2 h 33 min
